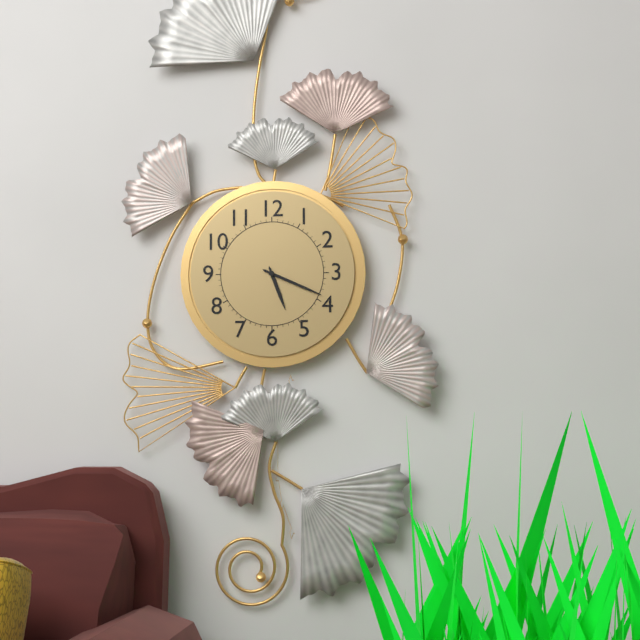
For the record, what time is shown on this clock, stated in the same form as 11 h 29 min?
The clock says 5 h 19 min
